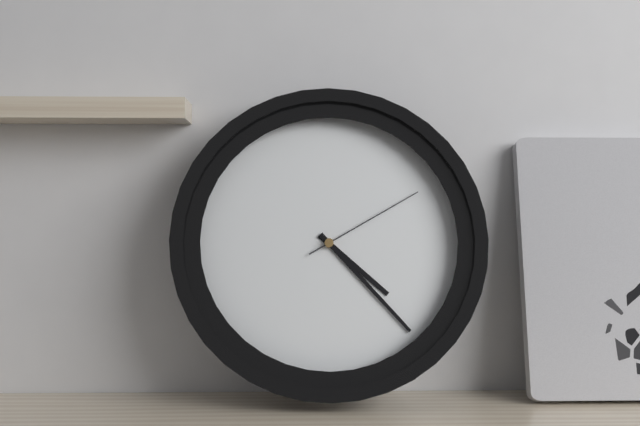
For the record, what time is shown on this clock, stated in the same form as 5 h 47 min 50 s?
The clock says 4 h 23 min 10 s
